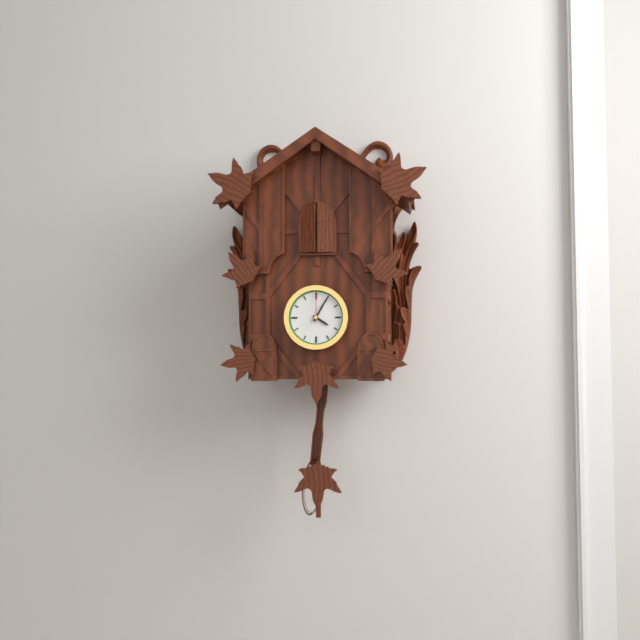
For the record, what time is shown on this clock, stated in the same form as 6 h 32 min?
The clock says 4 h 05 min
